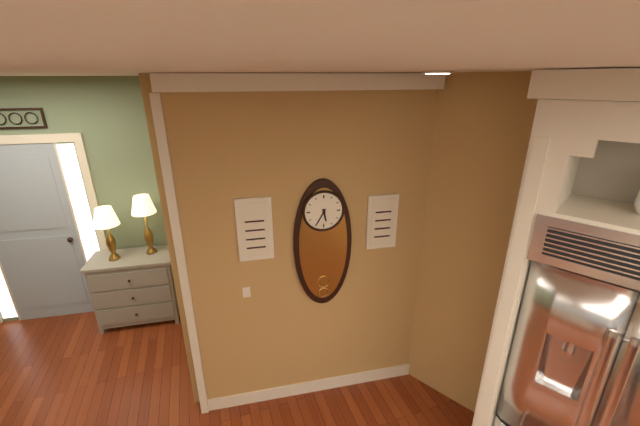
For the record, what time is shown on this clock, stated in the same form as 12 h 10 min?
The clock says 5 h 35 min
